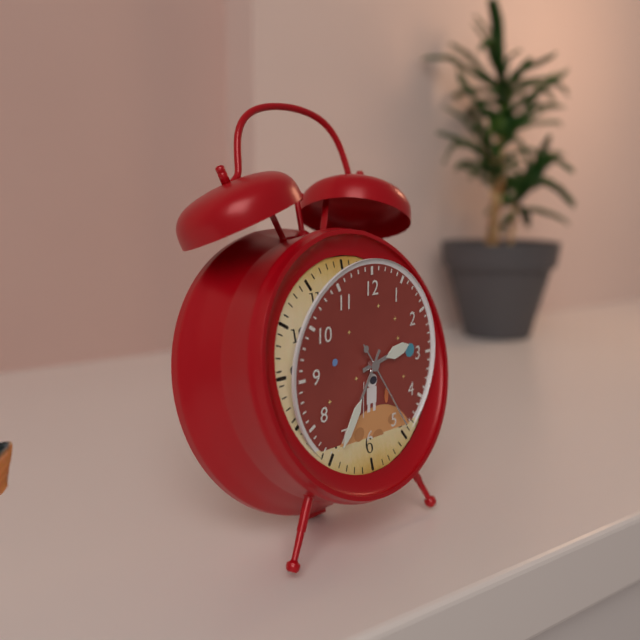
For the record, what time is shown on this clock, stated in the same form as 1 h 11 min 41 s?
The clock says 2 h 35 min 24 s
